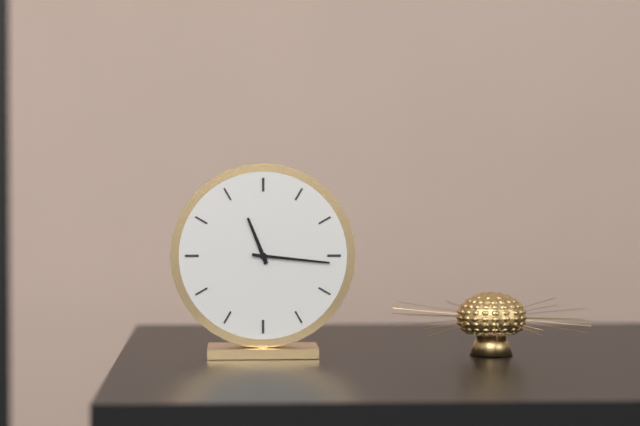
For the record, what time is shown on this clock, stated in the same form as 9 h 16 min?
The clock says 11 h 16 min
